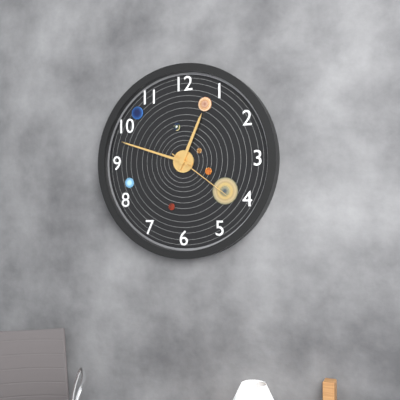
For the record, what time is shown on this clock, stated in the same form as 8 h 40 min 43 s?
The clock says 12 h 48 min 21 s
